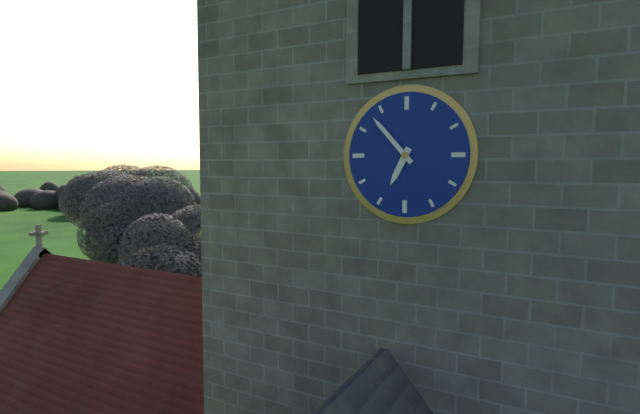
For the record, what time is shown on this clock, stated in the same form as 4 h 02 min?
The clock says 6 h 53 min
